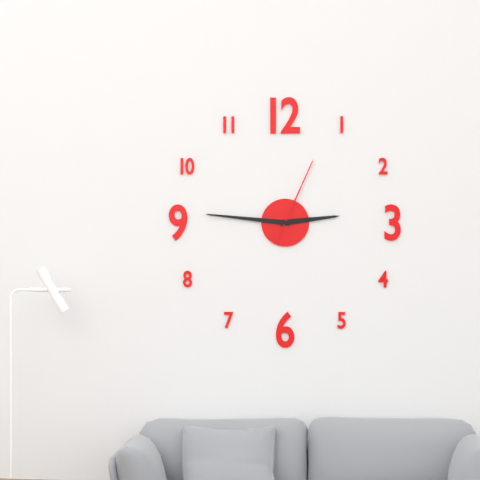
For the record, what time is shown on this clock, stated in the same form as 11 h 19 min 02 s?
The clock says 2 h 46 min 04 s
